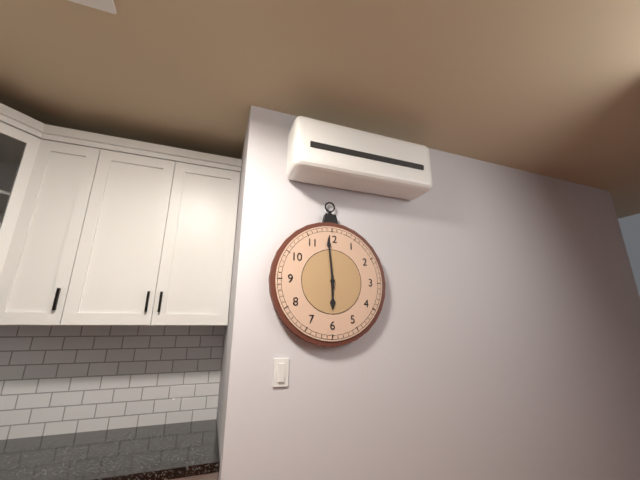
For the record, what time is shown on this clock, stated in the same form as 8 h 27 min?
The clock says 5 h 59 min
